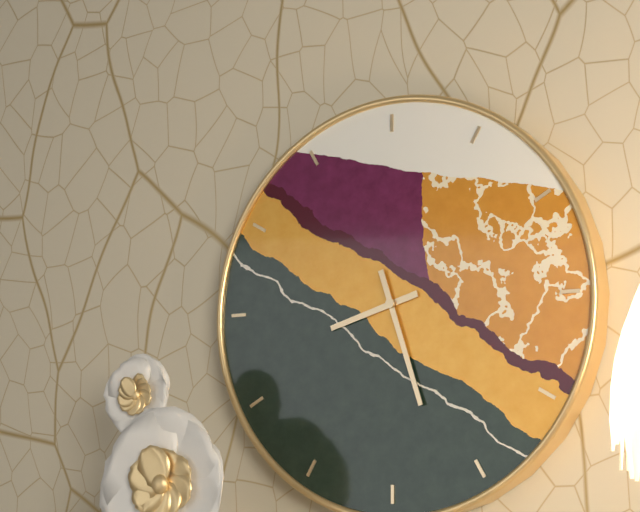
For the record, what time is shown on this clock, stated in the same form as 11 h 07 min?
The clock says 8 h 27 min
